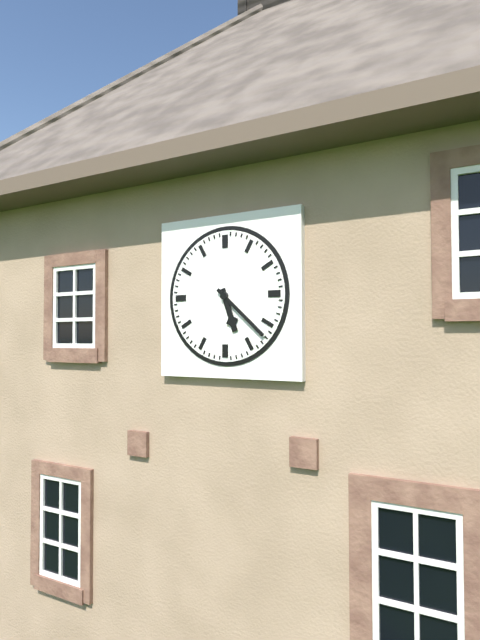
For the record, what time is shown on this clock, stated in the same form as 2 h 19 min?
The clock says 5 h 22 min
